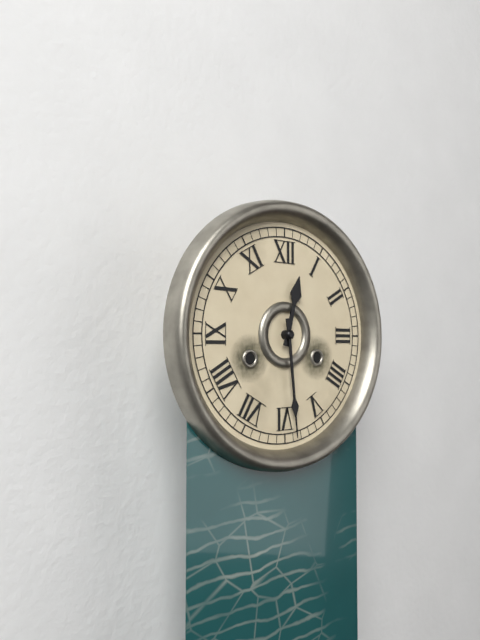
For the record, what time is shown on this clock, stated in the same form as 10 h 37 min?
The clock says 12 h 29 min
